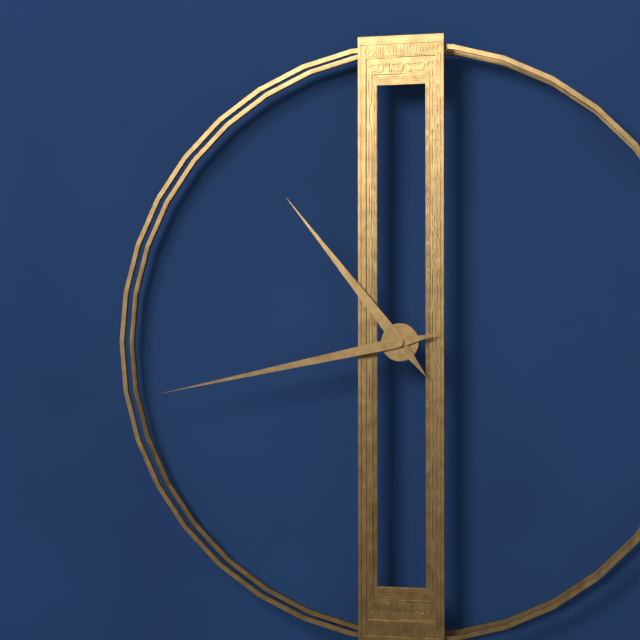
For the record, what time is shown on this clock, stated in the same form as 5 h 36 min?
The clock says 10 h 43 min
